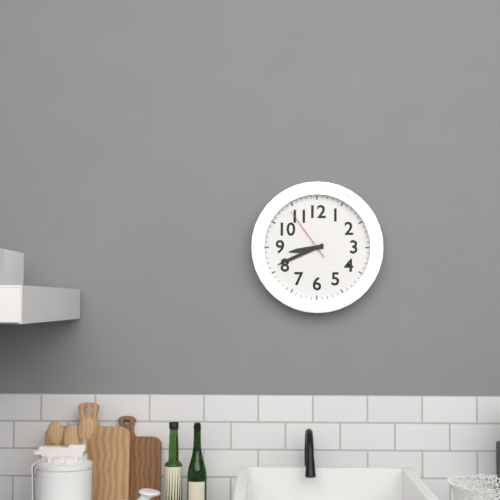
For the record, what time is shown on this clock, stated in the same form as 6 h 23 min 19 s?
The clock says 8 h 41 min 54 s
